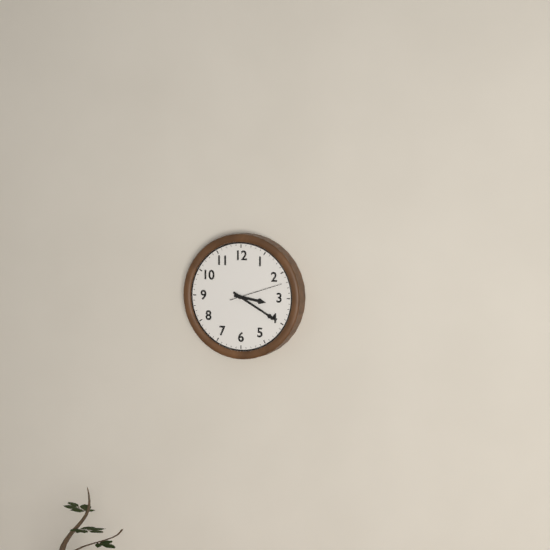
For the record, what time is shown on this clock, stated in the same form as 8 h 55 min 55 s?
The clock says 3 h 20 min 12 s
